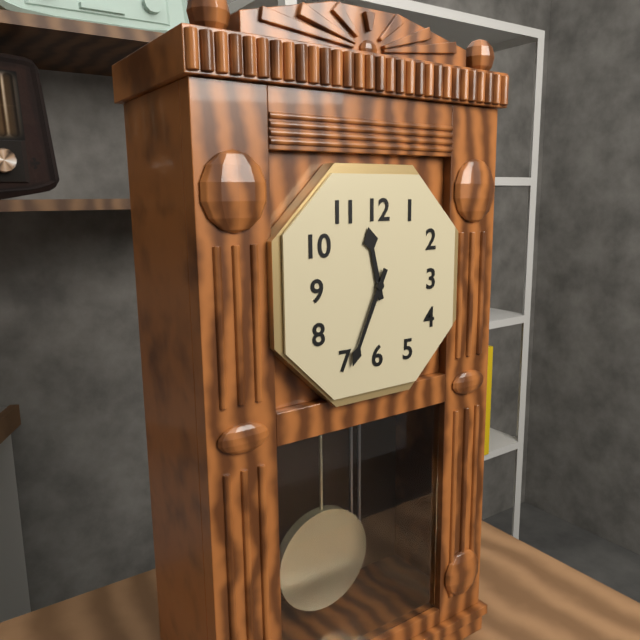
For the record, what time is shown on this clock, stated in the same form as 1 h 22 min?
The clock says 11 h 34 min
